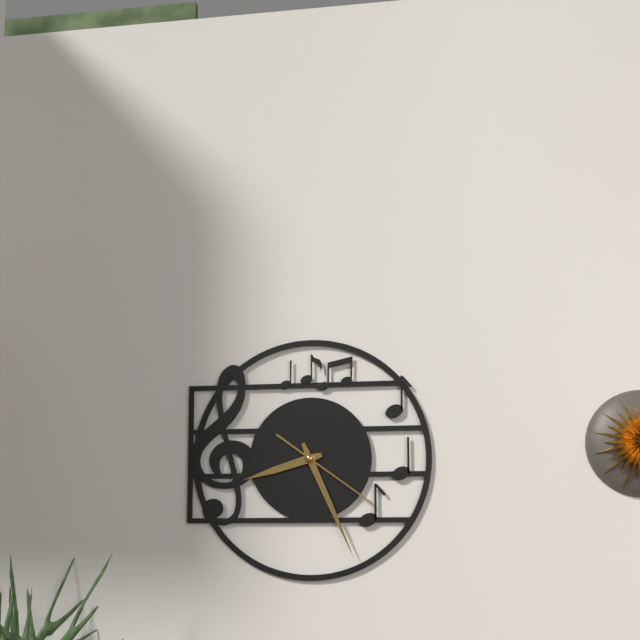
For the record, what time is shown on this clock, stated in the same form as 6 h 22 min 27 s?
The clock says 8 h 26 min 21 s
